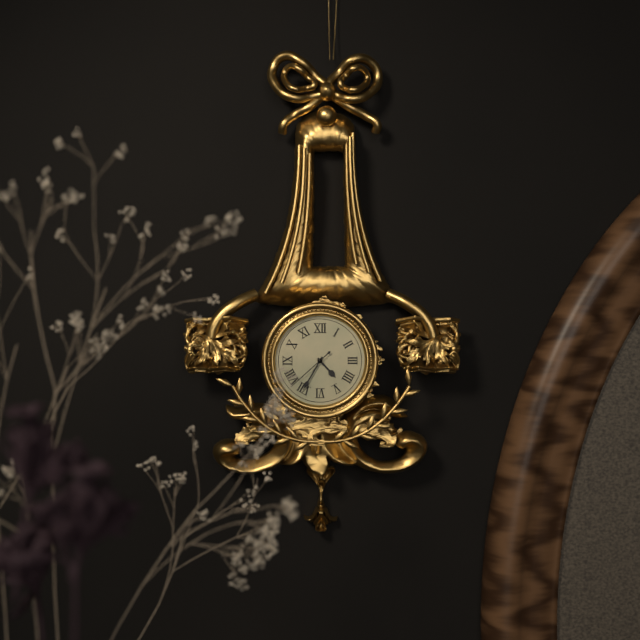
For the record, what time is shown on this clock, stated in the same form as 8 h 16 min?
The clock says 4 h 35 min
